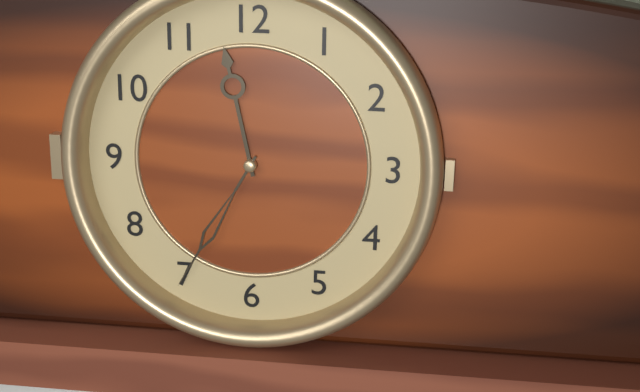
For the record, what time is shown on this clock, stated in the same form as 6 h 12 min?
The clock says 11 h 35 min
